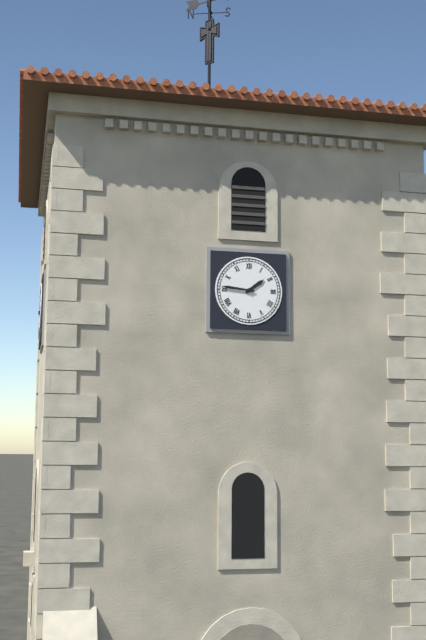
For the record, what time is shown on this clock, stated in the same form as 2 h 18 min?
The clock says 1 h 46 min
